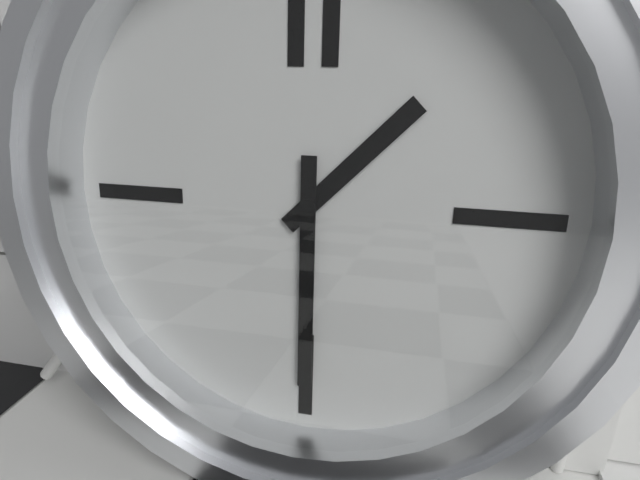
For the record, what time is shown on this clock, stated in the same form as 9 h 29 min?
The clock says 1 h 30 min
